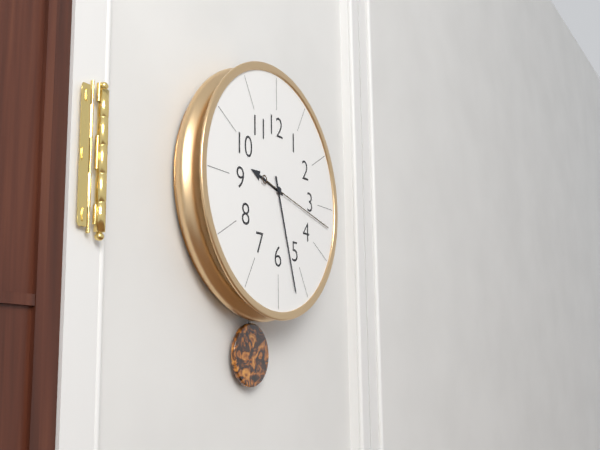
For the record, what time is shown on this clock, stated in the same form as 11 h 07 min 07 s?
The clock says 9 h 27 min 17 s
